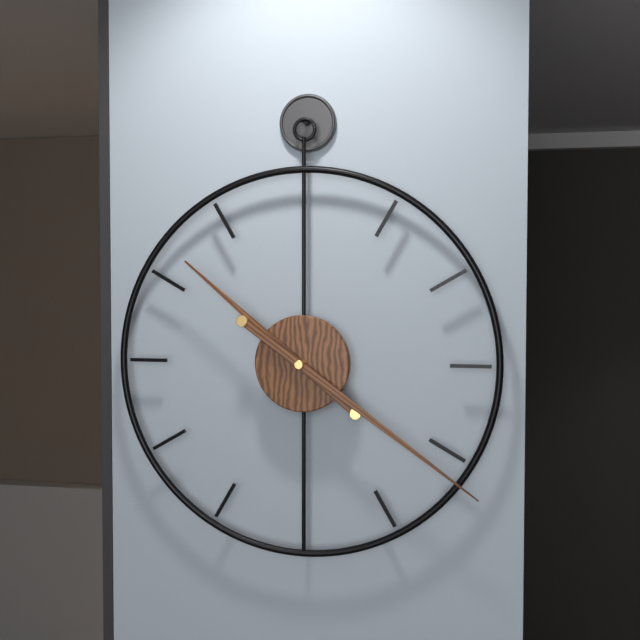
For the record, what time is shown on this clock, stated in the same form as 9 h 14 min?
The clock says 10 h 21 min
